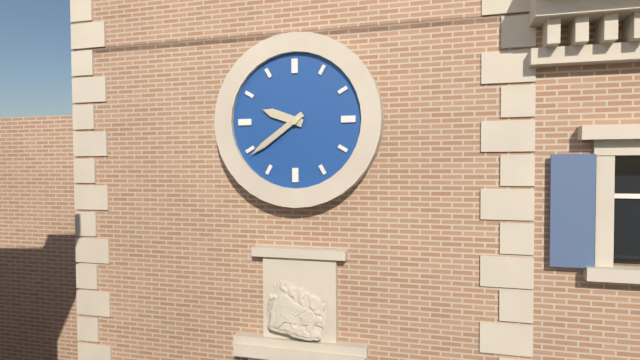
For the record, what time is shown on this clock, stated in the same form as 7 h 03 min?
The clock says 9 h 39 min
